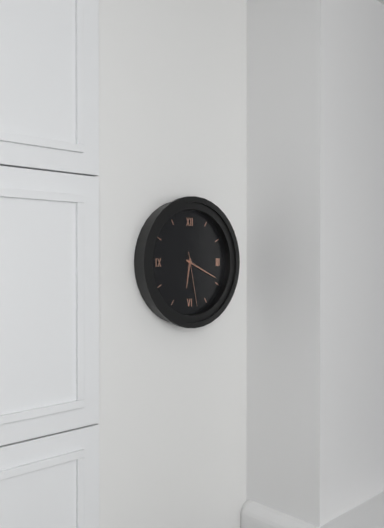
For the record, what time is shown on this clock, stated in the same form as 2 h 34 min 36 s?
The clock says 6 h 19 min 28 s
